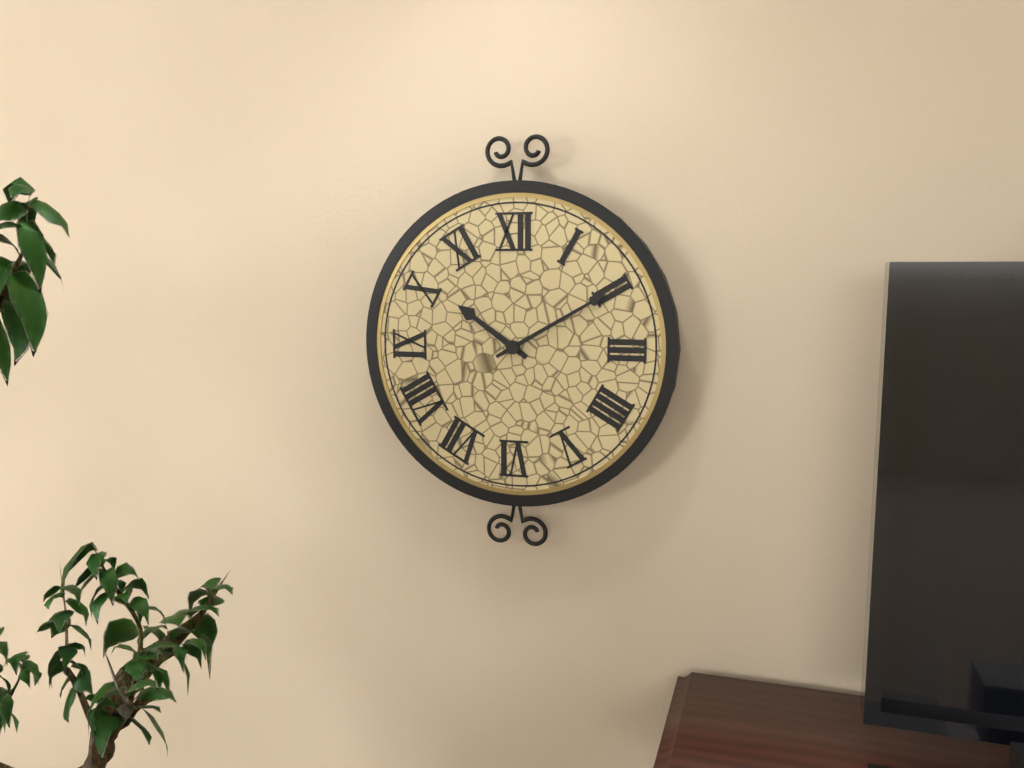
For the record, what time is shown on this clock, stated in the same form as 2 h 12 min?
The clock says 10 h 10 min
